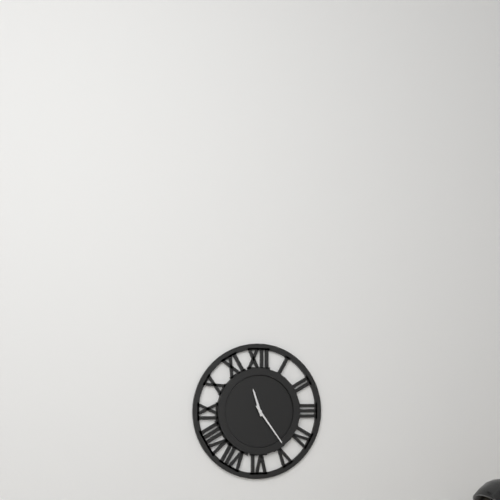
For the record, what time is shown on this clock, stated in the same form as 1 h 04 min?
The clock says 11 h 24 min
